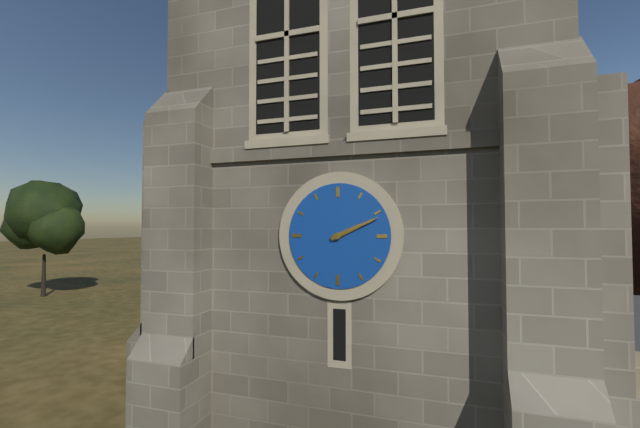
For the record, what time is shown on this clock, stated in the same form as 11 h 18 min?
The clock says 2 h 11 min
